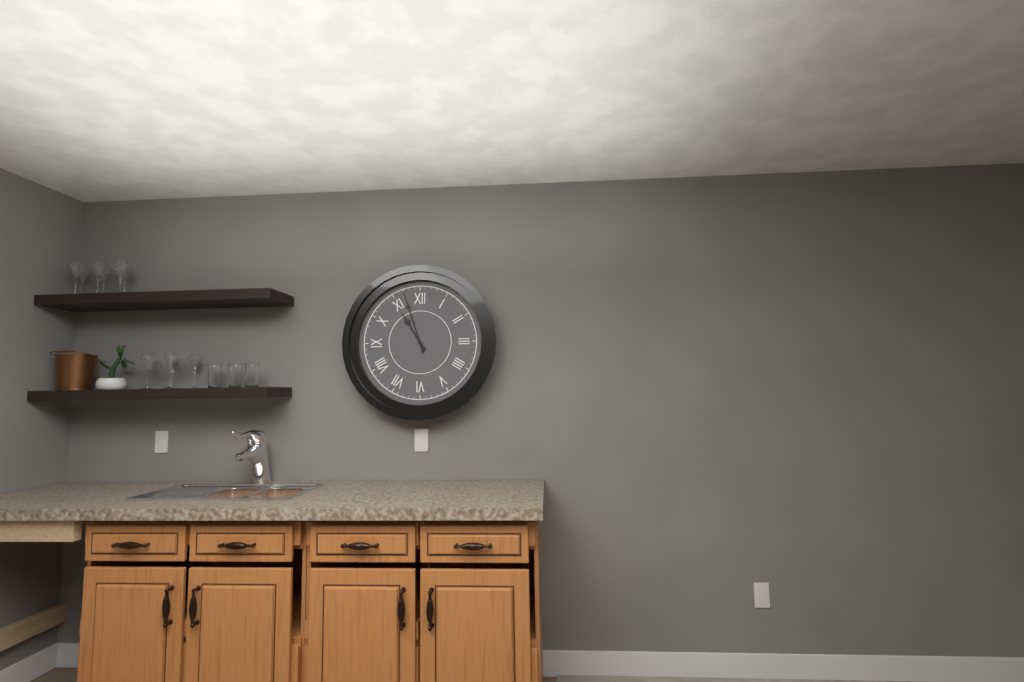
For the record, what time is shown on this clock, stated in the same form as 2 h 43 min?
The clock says 10 h 57 min
